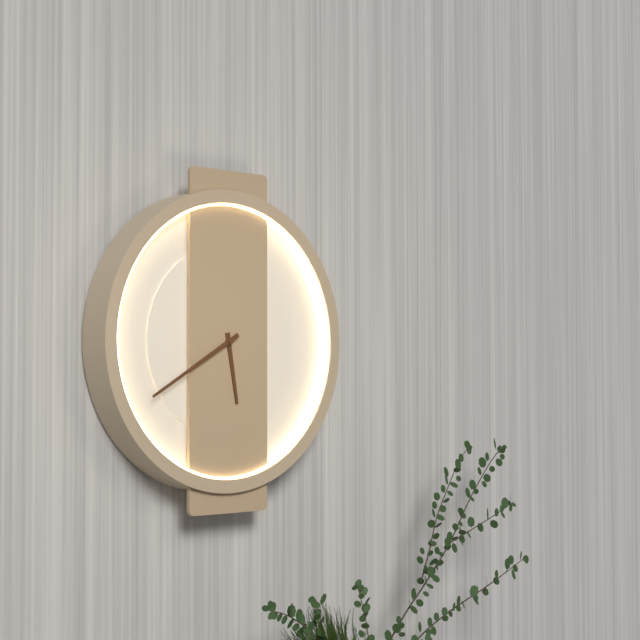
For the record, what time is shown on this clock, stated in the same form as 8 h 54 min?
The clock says 5 h 40 min
